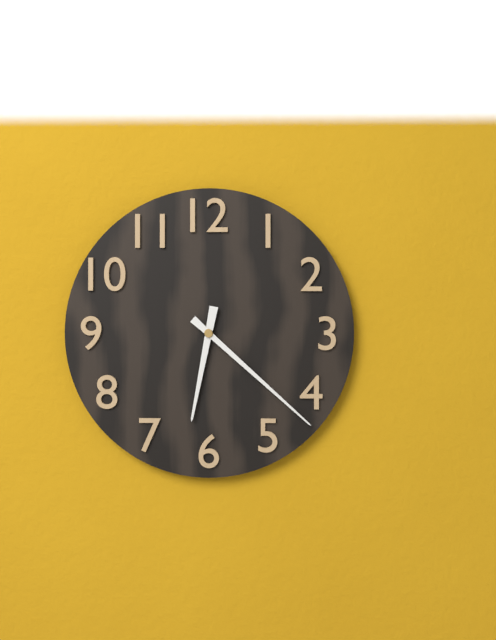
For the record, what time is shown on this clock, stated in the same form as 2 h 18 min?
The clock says 6 h 22 min
